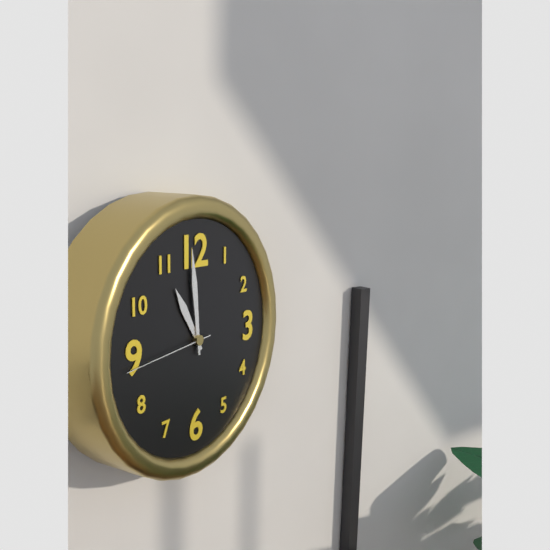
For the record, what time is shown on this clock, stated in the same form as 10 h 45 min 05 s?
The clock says 10 h 59 min 44 s
